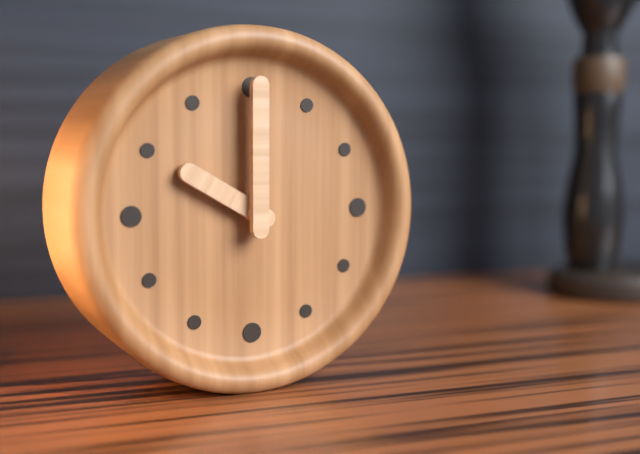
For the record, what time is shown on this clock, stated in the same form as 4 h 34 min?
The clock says 10 h 00 min
